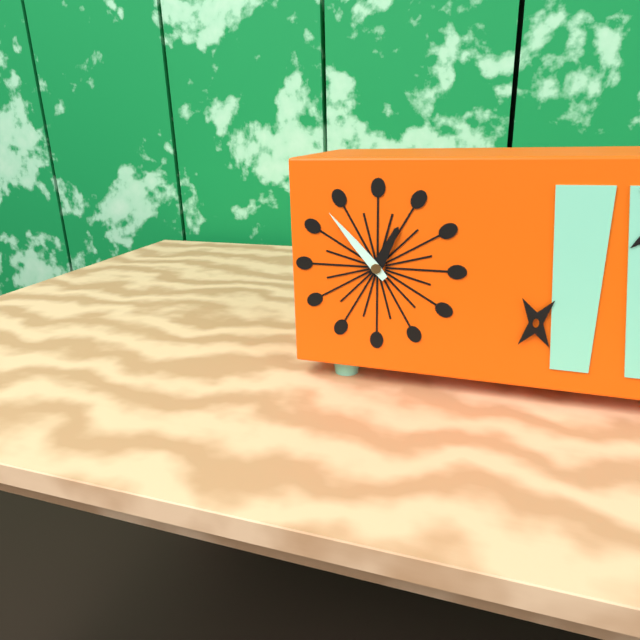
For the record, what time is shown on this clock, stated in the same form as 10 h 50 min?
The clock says 12 h 53 min
